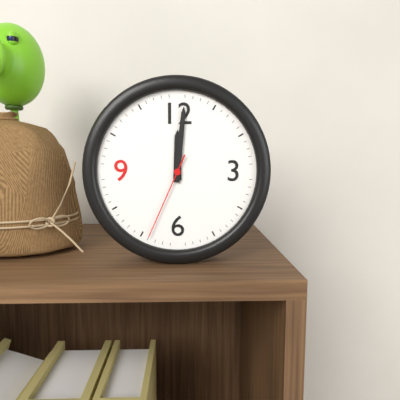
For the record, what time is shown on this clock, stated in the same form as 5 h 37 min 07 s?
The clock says 12 h 01 min 34 s
